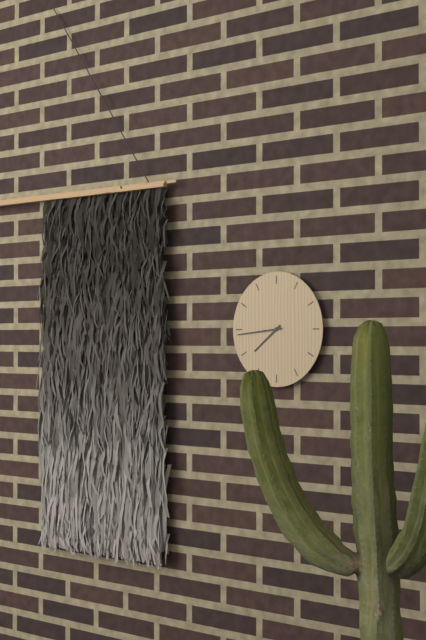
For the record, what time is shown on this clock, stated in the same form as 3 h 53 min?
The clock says 7 h 44 min
